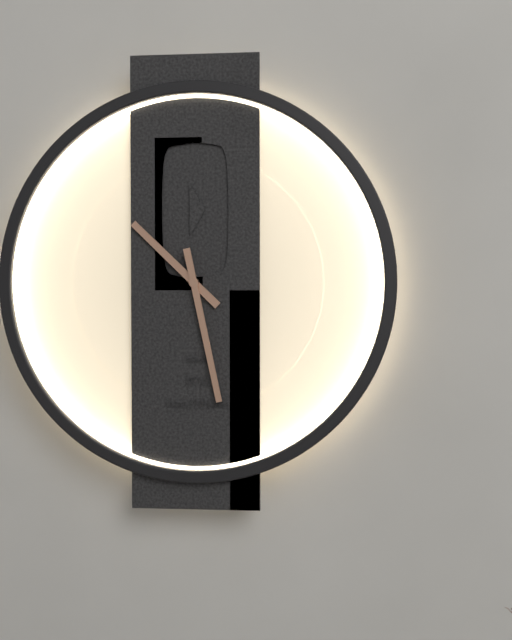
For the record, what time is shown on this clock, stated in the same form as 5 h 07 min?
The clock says 10 h 28 min
